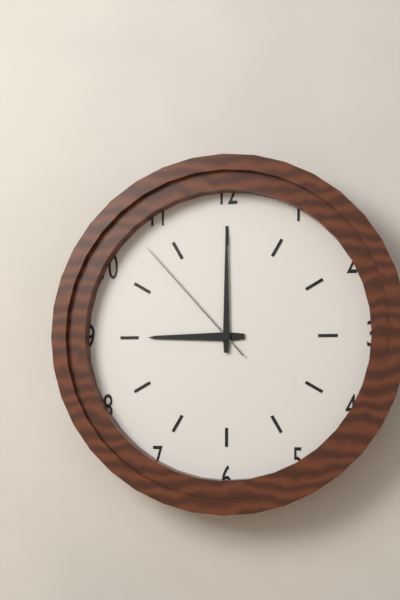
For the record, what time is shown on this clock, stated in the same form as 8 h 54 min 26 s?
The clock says 9 h 00 min 53 s
